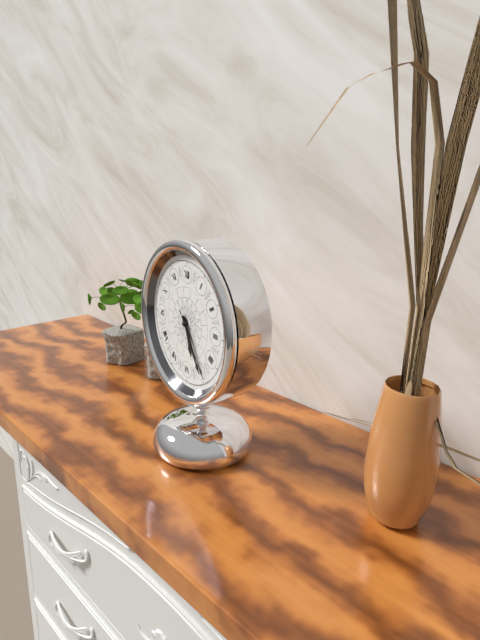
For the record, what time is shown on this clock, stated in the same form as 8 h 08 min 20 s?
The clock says 5 h 25 min 24 s
